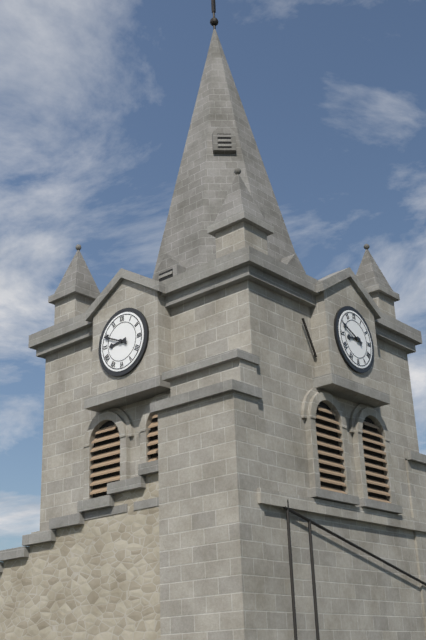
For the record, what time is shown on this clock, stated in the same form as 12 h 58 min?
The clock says 8 h 49 min
